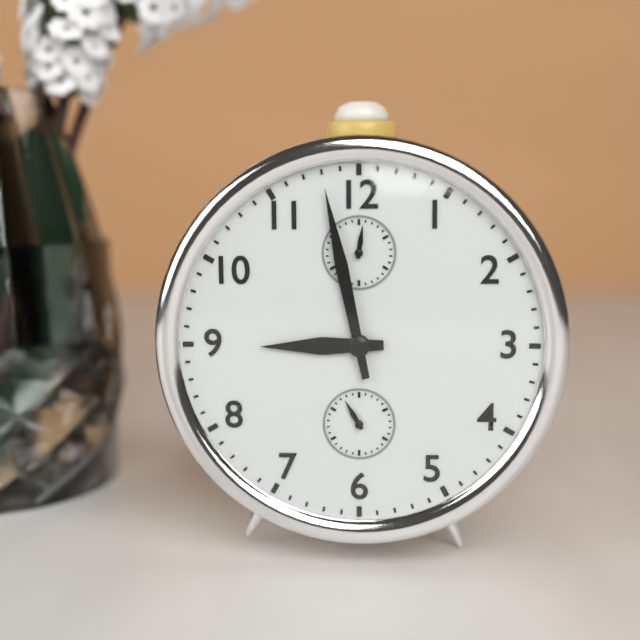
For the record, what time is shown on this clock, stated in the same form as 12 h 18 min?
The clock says 8 h 58 min
